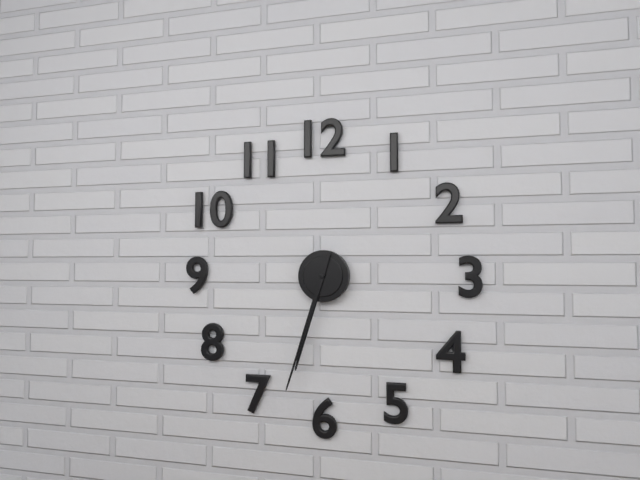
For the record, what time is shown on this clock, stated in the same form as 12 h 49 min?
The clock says 6 h 33 min
